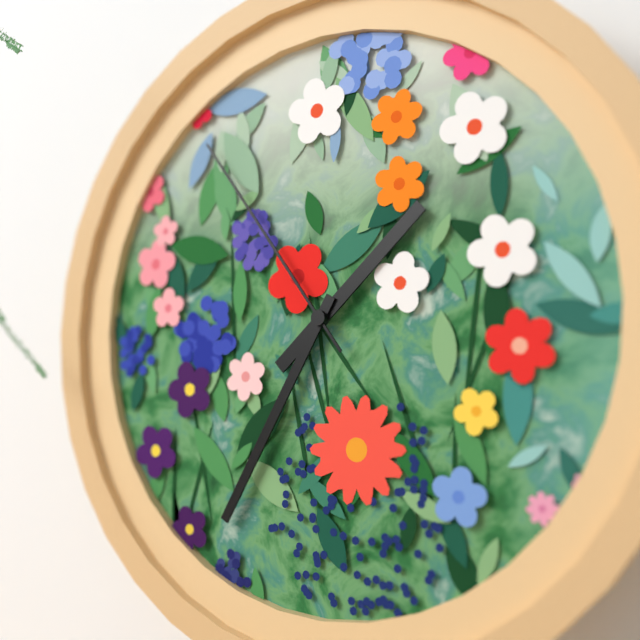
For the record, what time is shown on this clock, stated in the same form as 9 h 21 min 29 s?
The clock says 1 h 35 min 54 s
